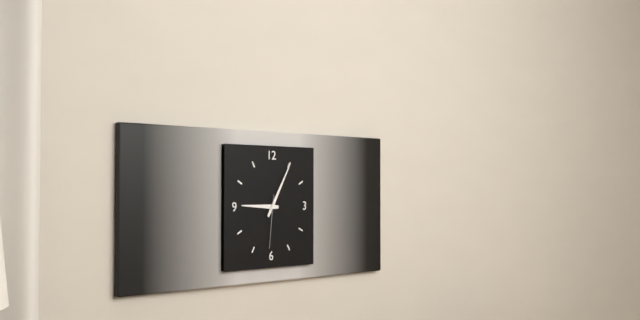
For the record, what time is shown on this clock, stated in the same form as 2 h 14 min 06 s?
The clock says 9 h 05 min 31 s
